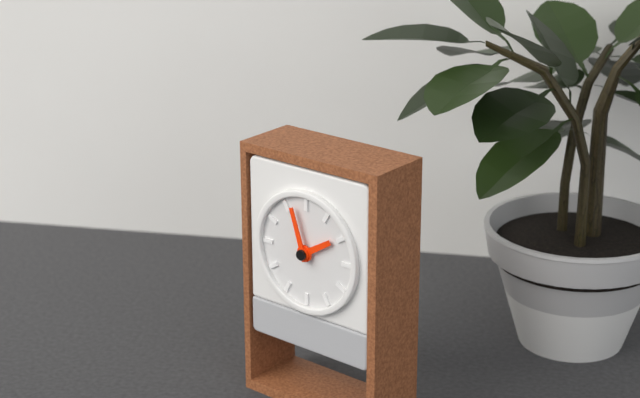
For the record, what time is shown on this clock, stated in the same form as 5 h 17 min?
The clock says 1 h 57 min
